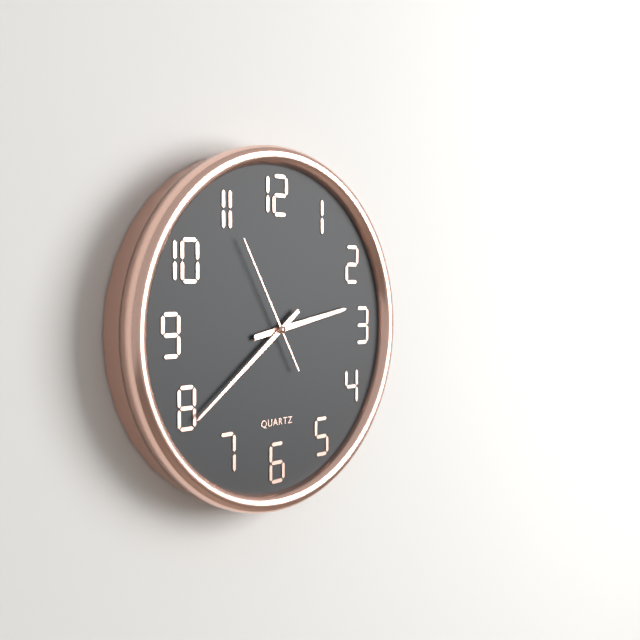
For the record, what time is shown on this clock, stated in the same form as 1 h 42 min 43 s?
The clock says 2 h 39 min 55 s
